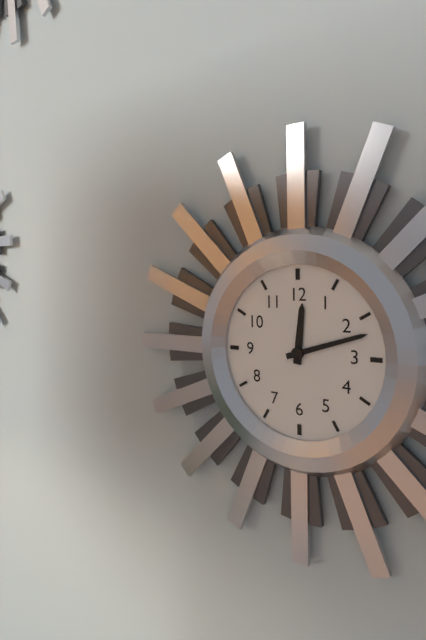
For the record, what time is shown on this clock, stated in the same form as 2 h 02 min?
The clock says 12 h 12 min
